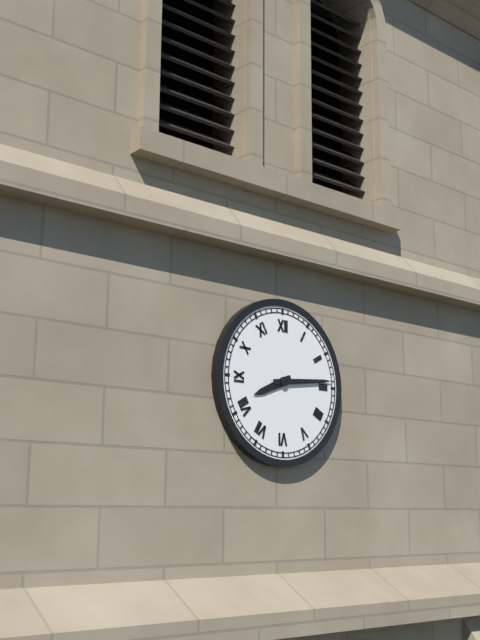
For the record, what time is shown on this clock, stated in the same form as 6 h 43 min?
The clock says 8 h 14 min
